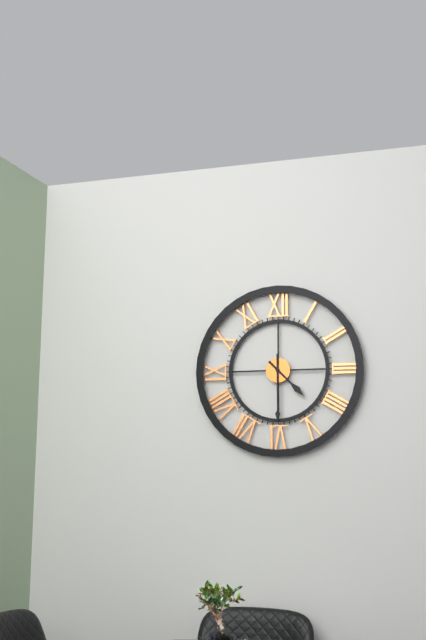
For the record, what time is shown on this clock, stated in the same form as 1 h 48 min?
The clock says 4 h 30 min
